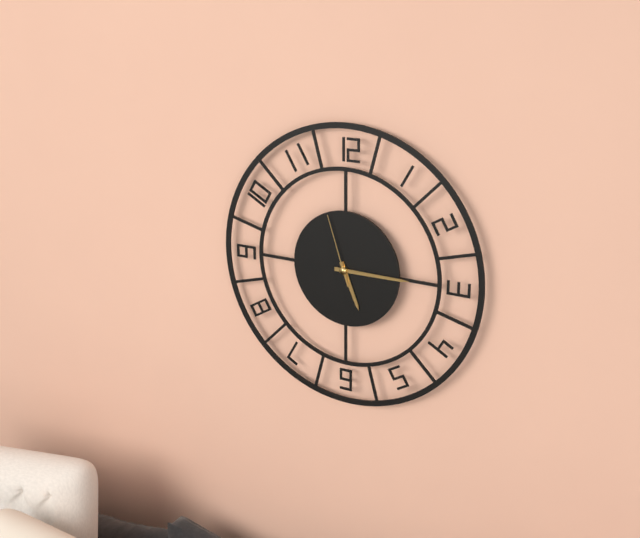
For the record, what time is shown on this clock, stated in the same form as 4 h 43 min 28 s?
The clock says 5 h 15 min 57 s
